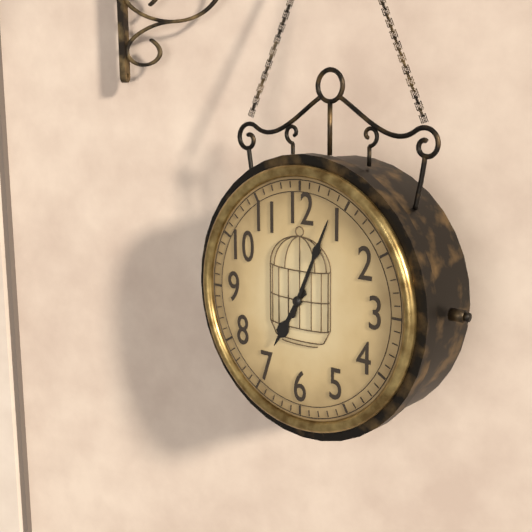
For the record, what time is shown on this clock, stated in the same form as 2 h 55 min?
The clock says 7 h 04 min
